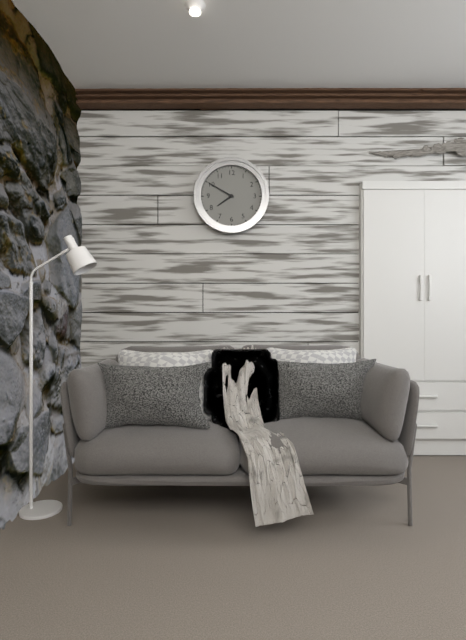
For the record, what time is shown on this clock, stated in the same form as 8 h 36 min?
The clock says 7 h 50 min
